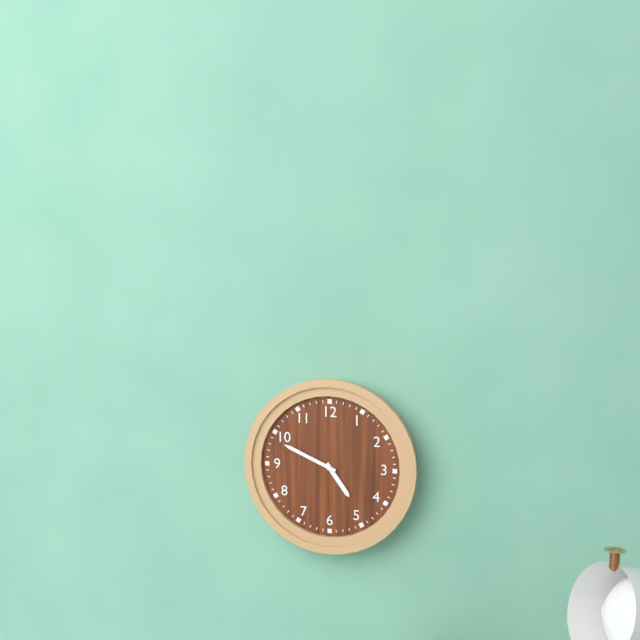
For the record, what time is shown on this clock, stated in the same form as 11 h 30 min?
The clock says 4 h 49 min
